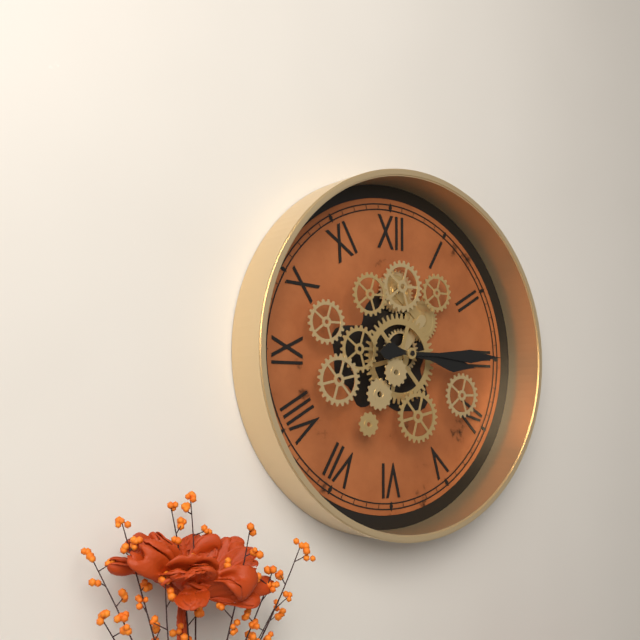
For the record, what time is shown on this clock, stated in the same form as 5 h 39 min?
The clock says 3 h 15 min
